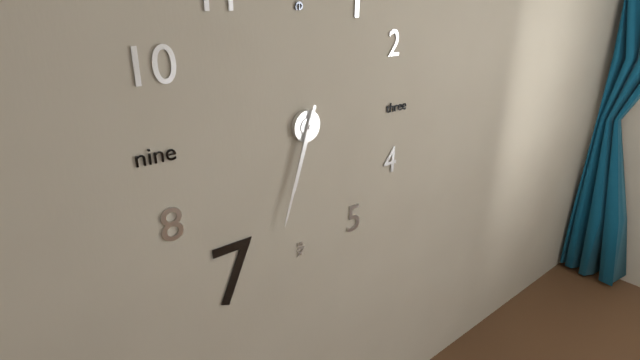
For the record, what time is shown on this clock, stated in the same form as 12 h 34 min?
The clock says 6 h 33 min
